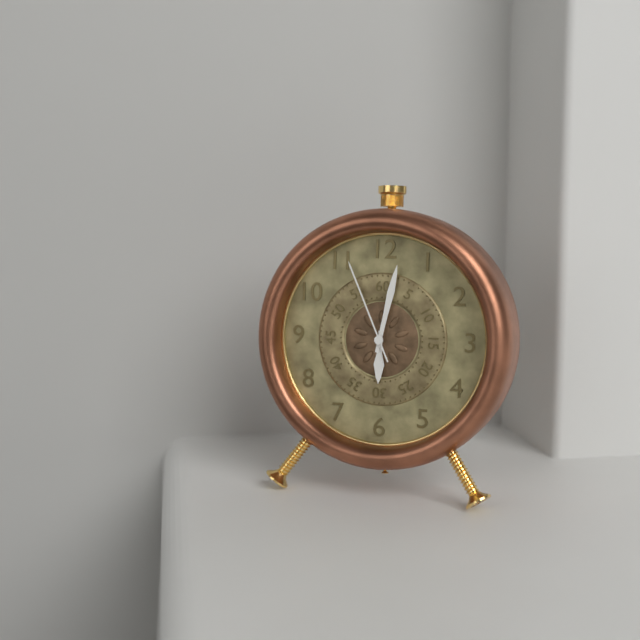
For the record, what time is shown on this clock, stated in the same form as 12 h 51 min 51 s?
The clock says 6 h 02 min 56 s
